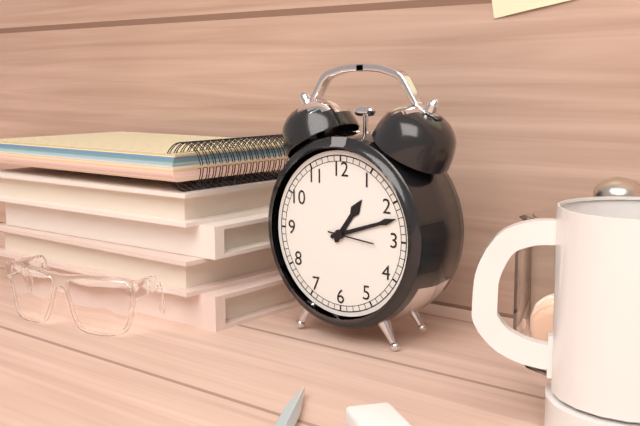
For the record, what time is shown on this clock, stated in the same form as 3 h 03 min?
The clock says 1 h 12 min
